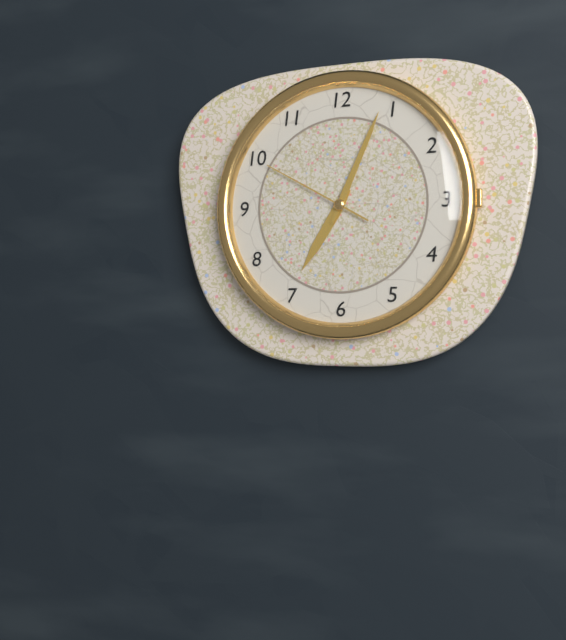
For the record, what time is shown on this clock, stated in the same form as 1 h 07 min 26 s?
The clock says 7 h 04 min 50 s
